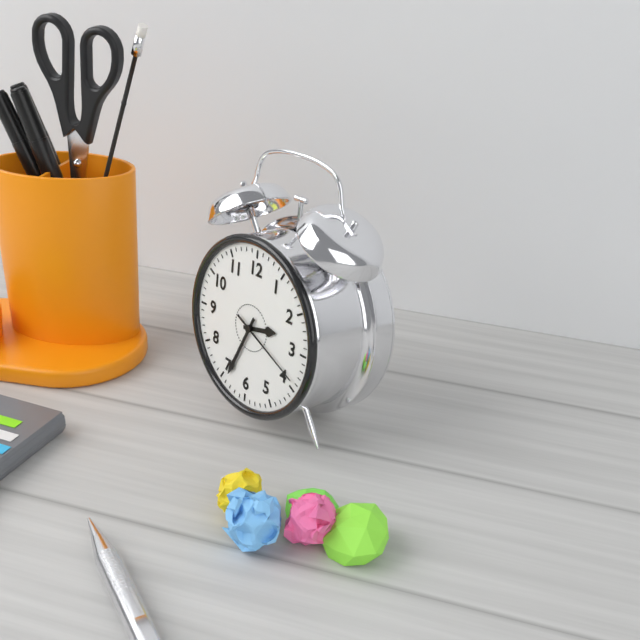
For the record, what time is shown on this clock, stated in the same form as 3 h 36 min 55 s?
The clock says 2 h 34 min 19 s
